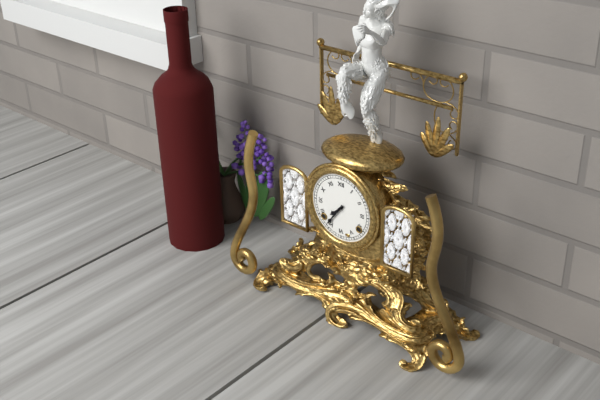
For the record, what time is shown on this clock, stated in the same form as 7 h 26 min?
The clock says 7 h 36 min
